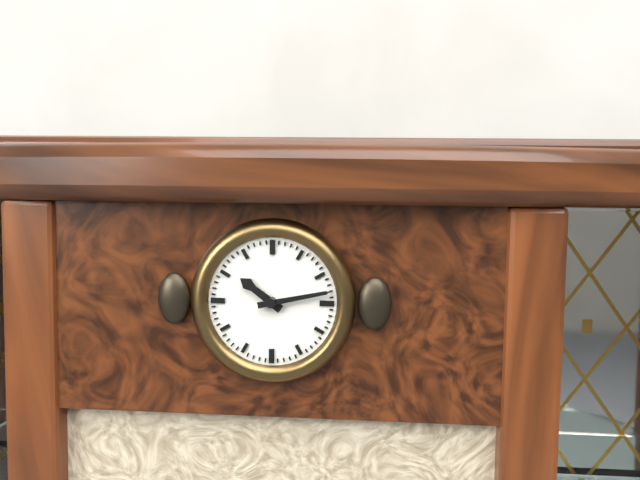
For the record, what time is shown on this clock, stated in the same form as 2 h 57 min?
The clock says 10 h 13 min
